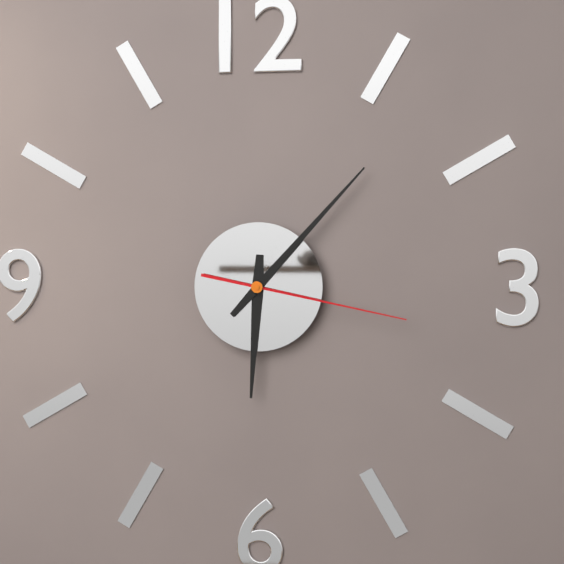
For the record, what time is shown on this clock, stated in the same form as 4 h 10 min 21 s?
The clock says 6 h 07 min 17 s
